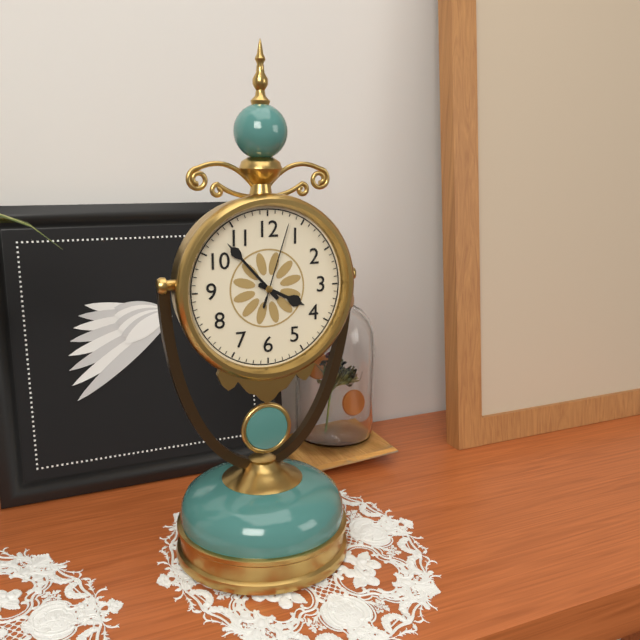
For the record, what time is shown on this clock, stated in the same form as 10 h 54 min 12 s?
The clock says 3 h 53 min 03 s
